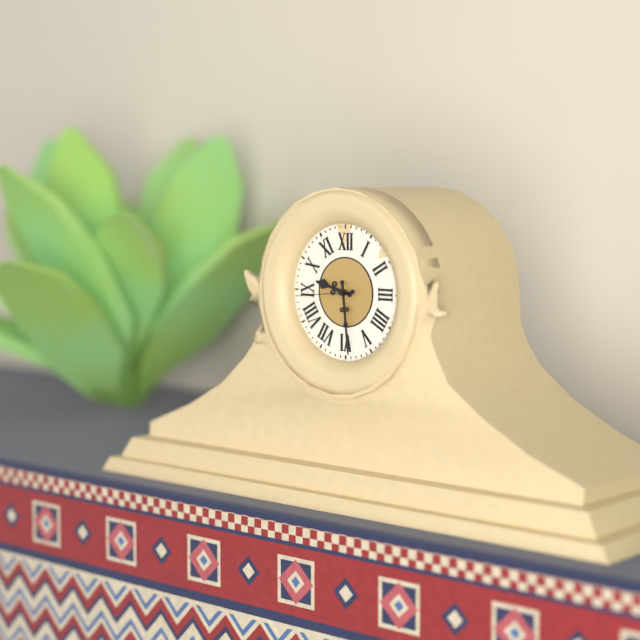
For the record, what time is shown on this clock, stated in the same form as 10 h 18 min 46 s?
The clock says 9 h 29 min 44 s
